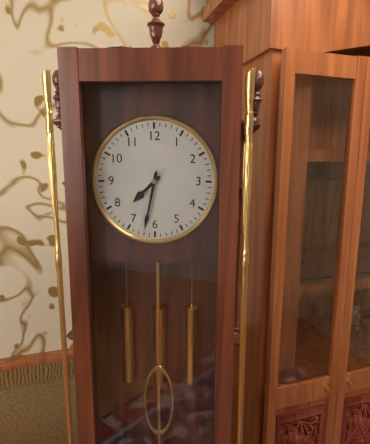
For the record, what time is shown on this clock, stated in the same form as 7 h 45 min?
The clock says 7 h 32 min
